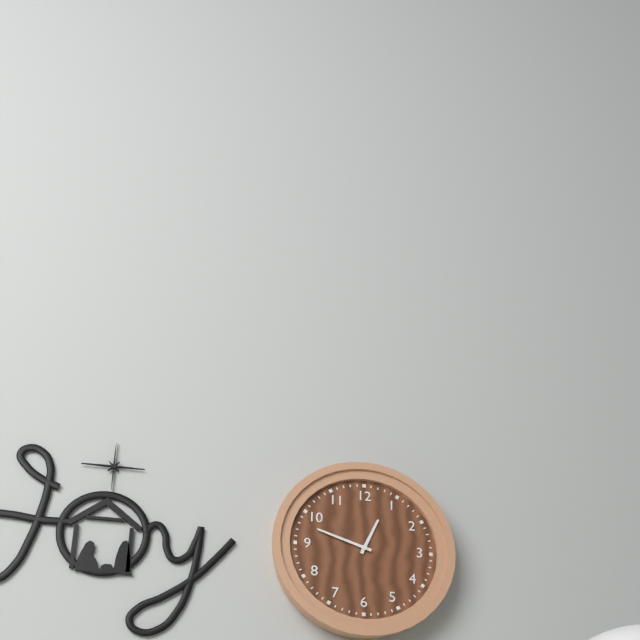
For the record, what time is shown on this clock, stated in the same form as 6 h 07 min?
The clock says 12 h 48 min
